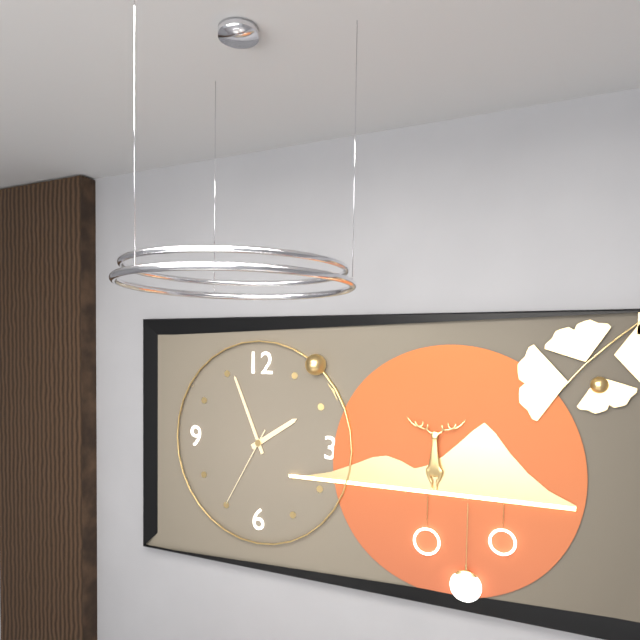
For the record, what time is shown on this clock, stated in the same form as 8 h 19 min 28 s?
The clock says 1 h 56 min 35 s
